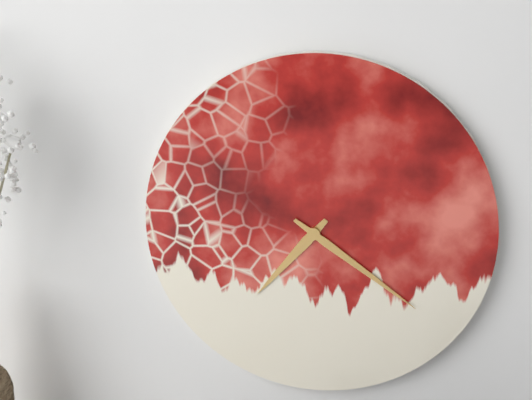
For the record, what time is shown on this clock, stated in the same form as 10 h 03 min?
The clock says 7 h 21 min
